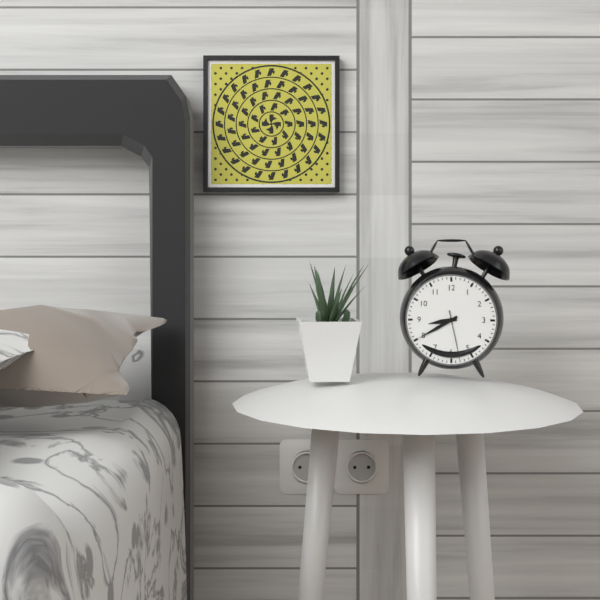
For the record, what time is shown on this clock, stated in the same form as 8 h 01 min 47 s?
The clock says 8 h 40 min 28 s
